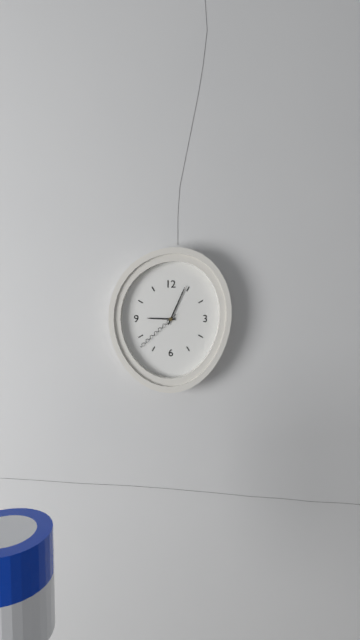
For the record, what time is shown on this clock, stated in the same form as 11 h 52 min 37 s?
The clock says 9 h 04 min 38 s
